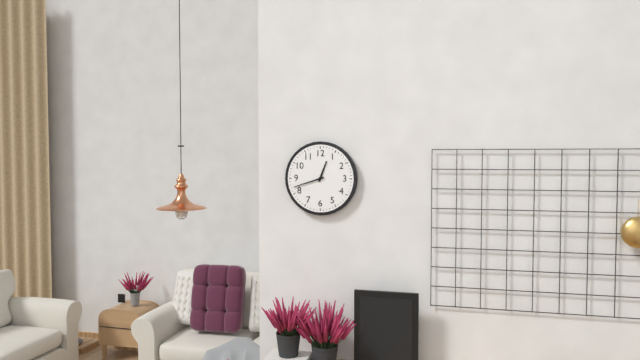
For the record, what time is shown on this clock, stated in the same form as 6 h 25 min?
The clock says 12 h 42 min
